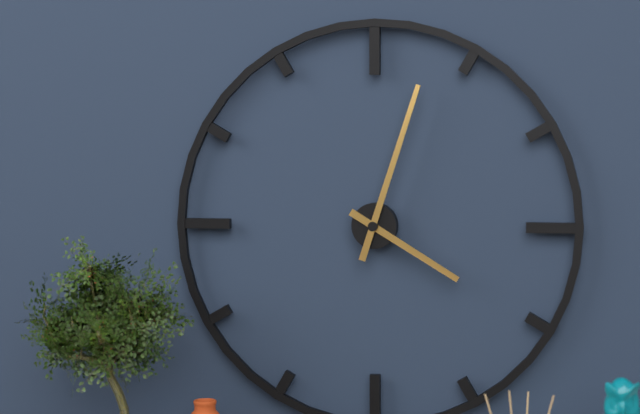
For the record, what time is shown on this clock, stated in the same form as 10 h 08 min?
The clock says 4 h 03 min
